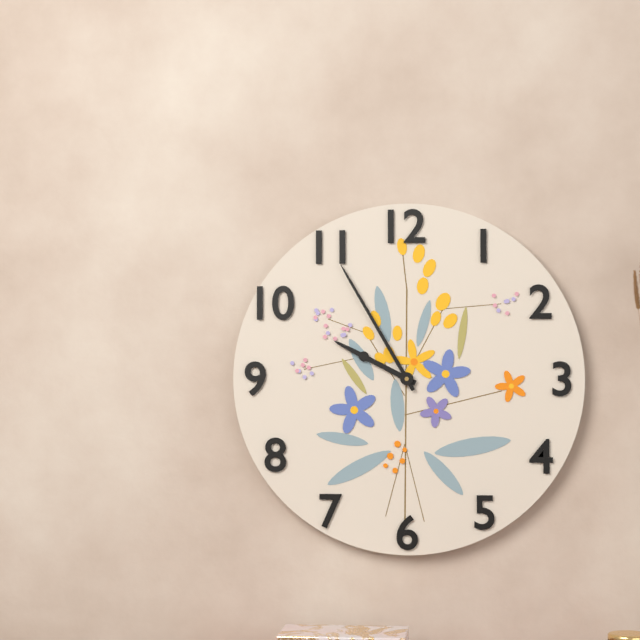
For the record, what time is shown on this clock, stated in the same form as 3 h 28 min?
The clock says 9 h 55 min
